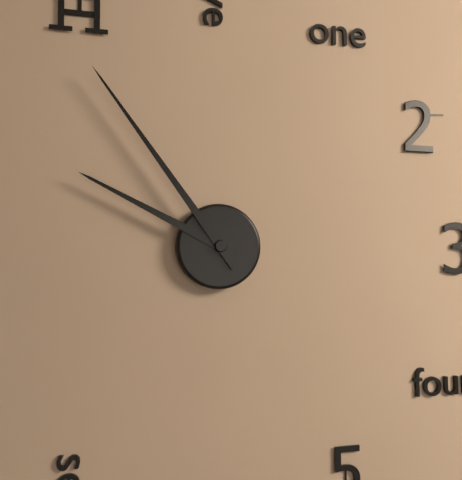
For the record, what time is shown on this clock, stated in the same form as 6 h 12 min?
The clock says 9 h 54 min
